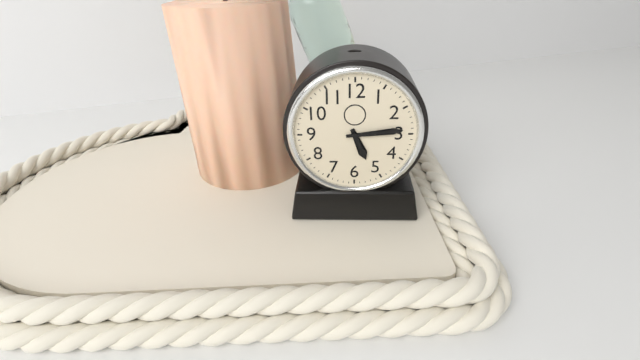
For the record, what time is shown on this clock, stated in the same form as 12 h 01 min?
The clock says 5 h 14 min
